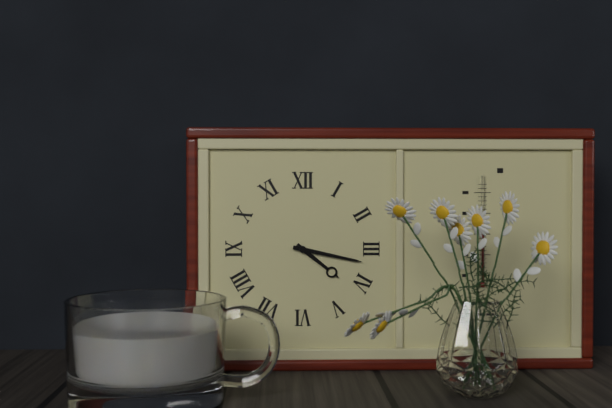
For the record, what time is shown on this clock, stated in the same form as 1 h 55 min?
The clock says 4 h 17 min
